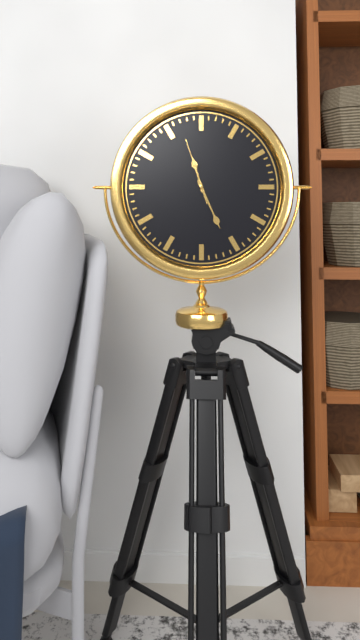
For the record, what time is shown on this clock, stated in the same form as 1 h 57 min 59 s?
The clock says 11 h 26 min 57 s
